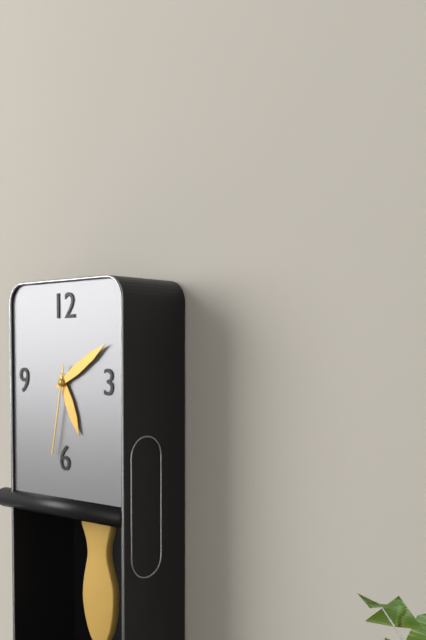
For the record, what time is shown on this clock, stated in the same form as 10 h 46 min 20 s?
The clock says 5 h 10 min 32 s
